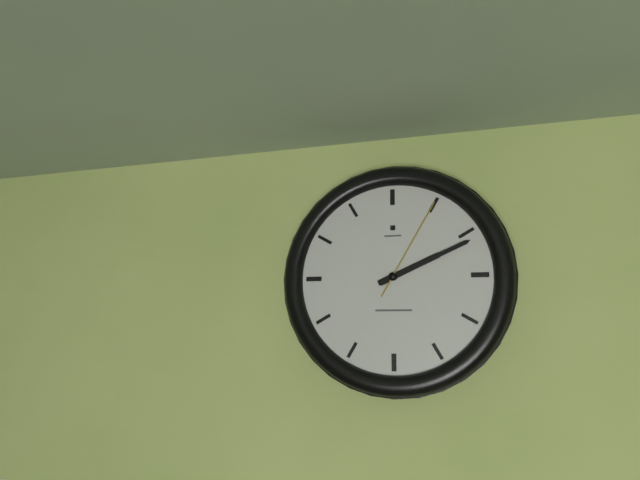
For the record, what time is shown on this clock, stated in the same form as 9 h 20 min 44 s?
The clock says 2 h 11 min 05 s
